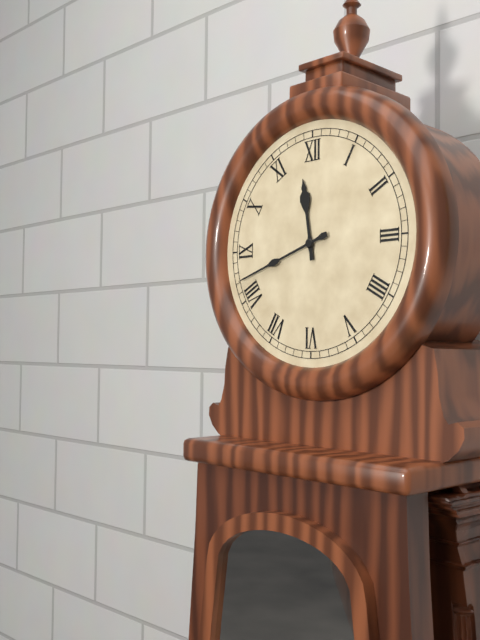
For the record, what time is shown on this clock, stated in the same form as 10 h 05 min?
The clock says 11 h 42 min
